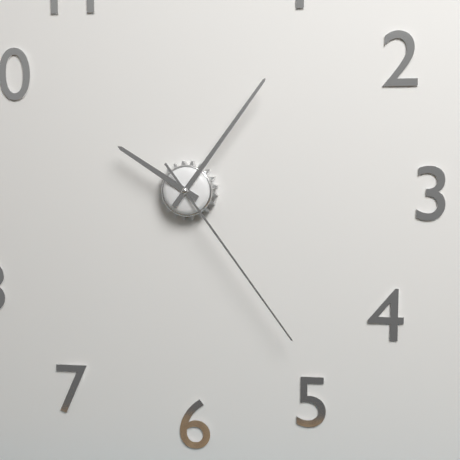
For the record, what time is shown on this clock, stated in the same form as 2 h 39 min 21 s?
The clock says 10 h 06 min 24 s
